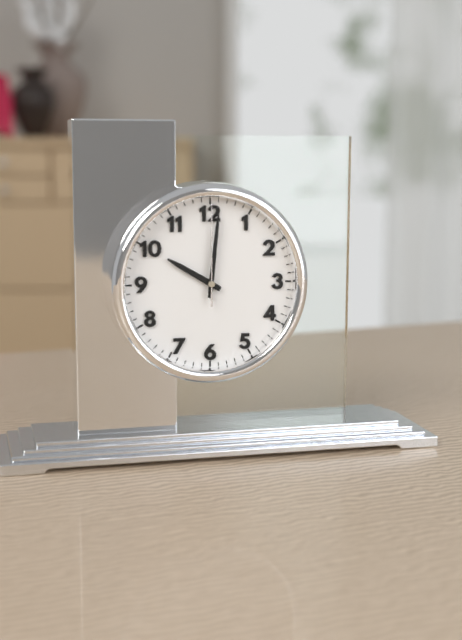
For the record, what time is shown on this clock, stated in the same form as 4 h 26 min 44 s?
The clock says 10 h 01 min 00 s
